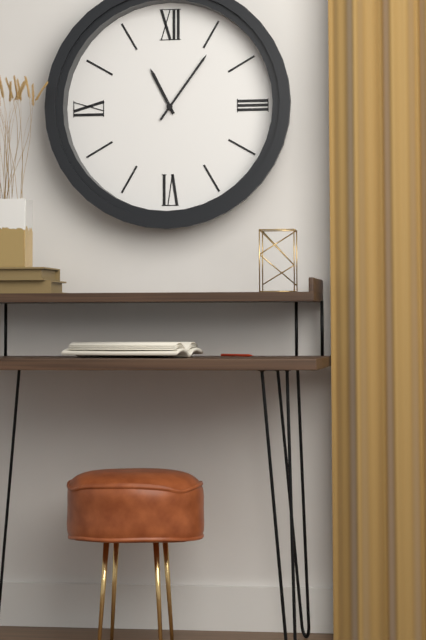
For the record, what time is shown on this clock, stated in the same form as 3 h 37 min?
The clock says 11 h 06 min
